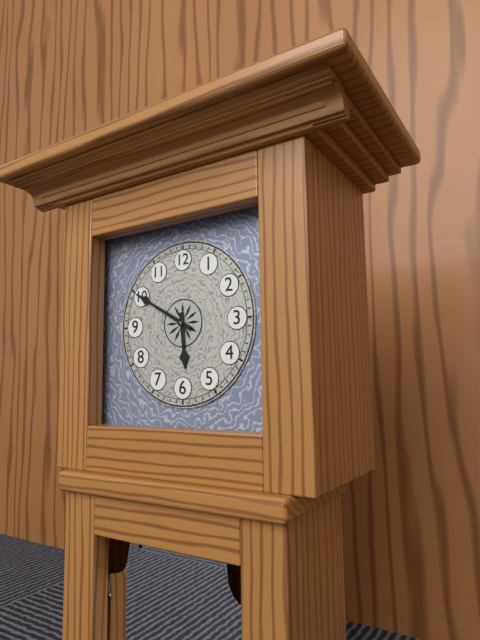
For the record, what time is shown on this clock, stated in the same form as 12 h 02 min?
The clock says 5 h 50 min
